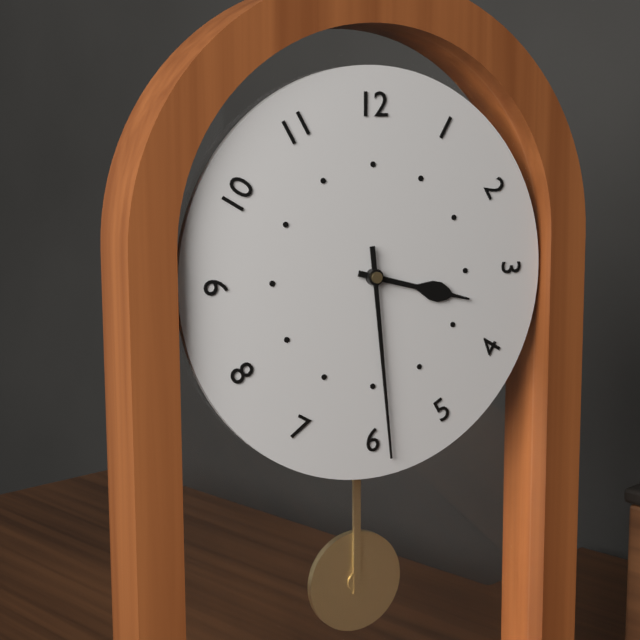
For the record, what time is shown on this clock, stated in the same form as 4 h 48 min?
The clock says 3 h 29 min
